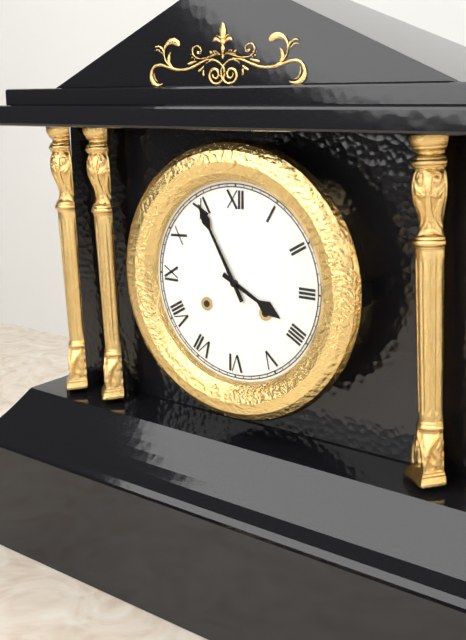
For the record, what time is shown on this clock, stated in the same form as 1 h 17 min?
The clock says 3 h 55 min
